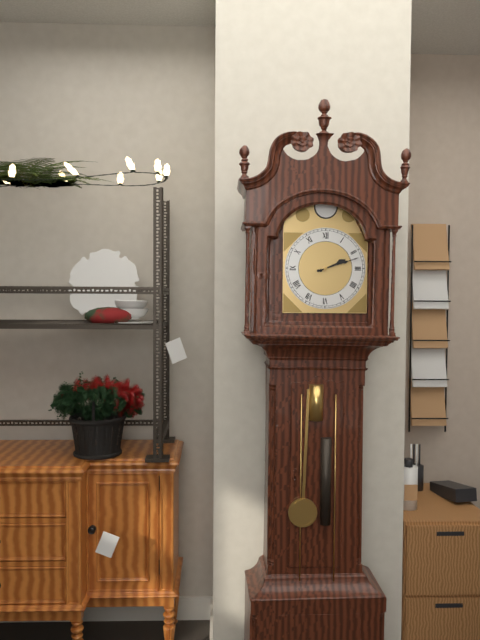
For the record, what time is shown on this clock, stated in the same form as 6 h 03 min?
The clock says 2 h 12 min
